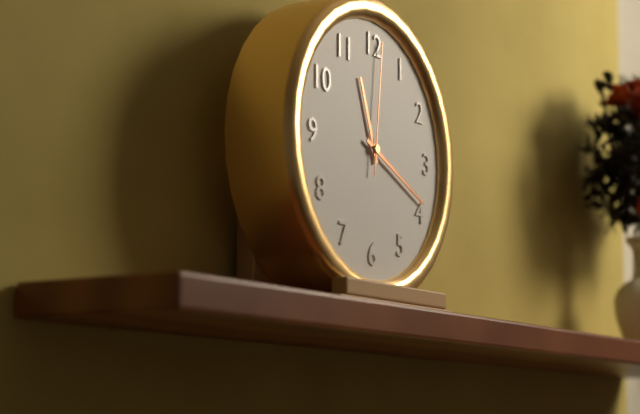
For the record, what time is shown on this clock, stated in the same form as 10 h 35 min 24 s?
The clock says 11 h 19 min 01 s
